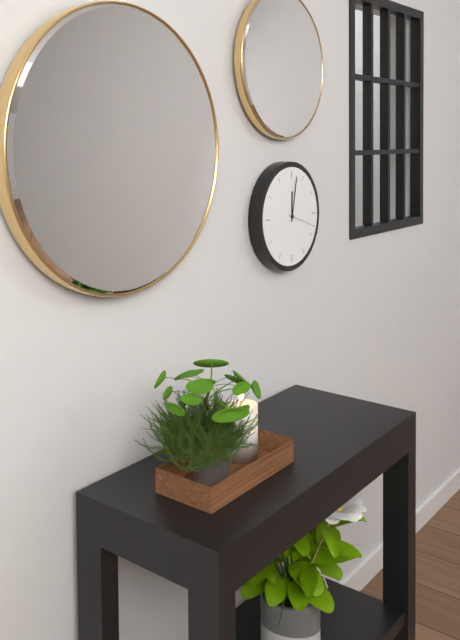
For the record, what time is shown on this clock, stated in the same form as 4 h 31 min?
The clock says 12 h 02 min
